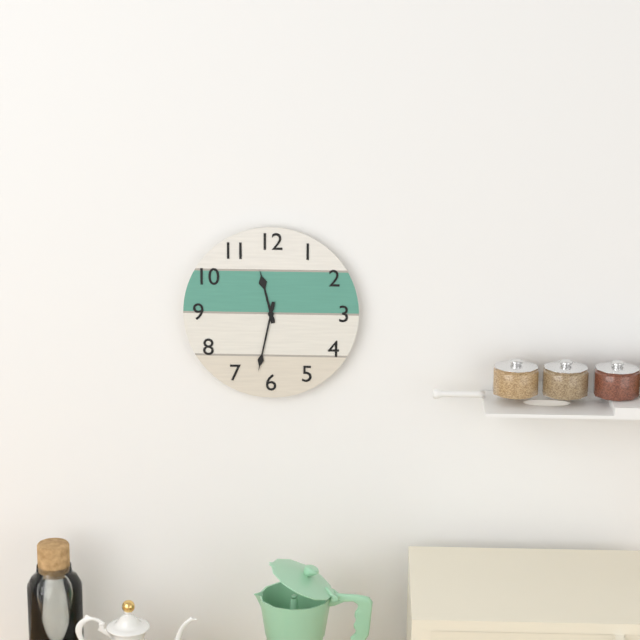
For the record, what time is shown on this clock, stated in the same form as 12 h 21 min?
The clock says 11 h 32 min
